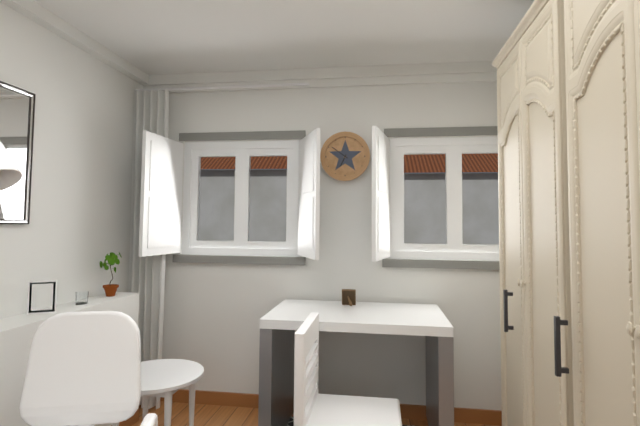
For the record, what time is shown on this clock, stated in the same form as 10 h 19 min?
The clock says 6 h 51 min
